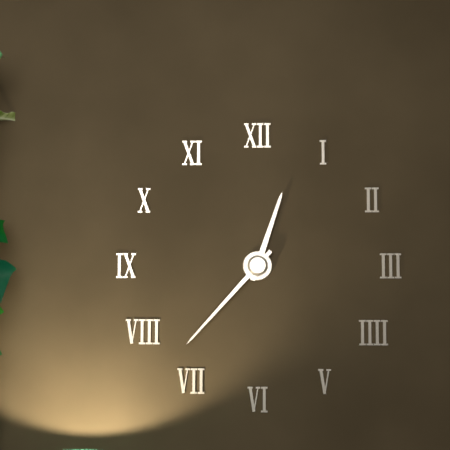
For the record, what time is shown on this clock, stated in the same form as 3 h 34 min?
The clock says 12 h 37 min
